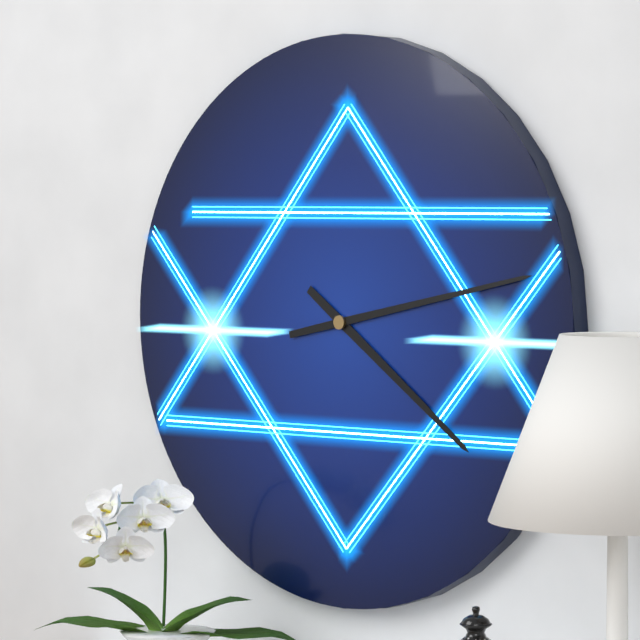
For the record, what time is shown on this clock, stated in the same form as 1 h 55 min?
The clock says 4 h 13 min
